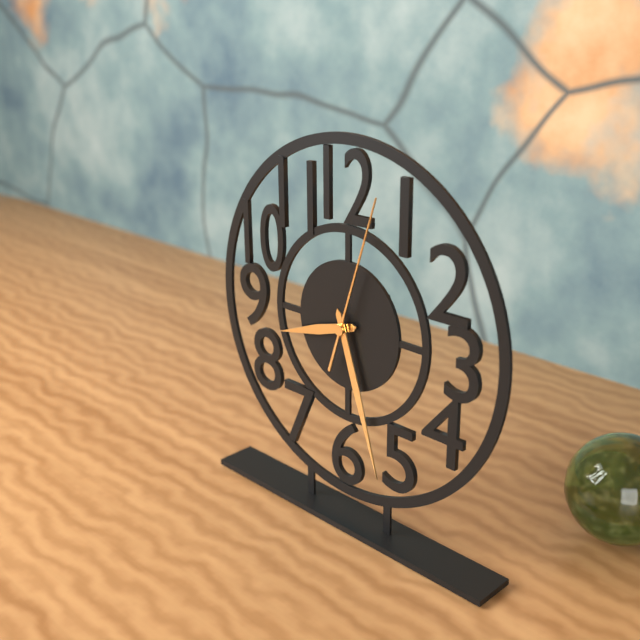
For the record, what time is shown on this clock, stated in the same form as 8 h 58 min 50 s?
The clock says 8 h 27 min 03 s
